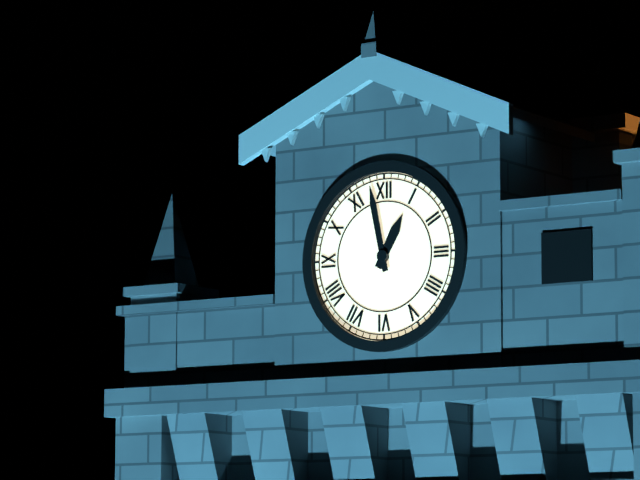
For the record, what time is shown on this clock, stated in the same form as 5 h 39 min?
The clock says 12 h 58 min
